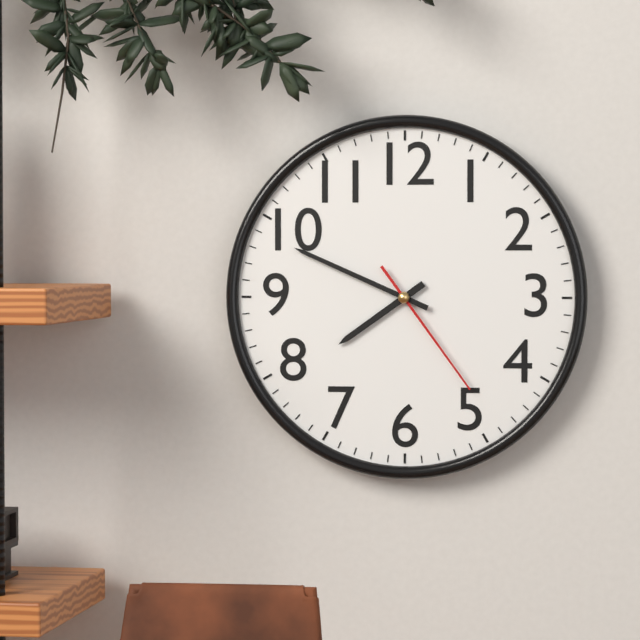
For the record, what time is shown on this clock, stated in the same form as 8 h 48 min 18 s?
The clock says 7 h 49 min 24 s
